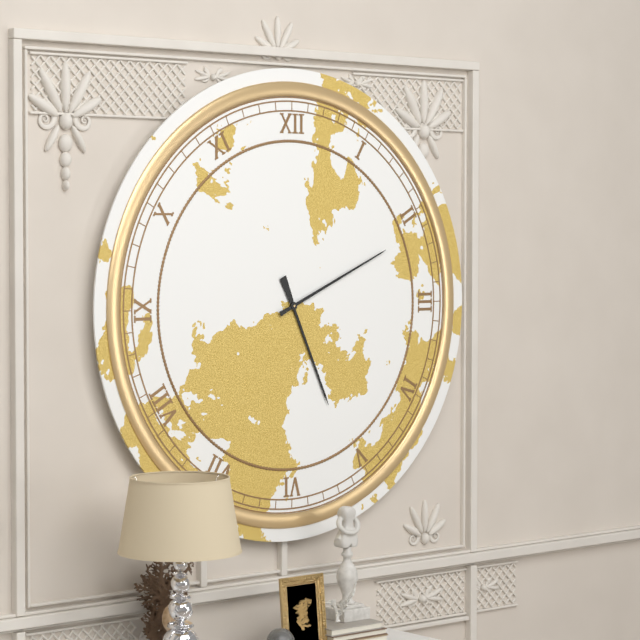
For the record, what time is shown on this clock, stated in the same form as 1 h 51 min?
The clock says 5 h 11 min
